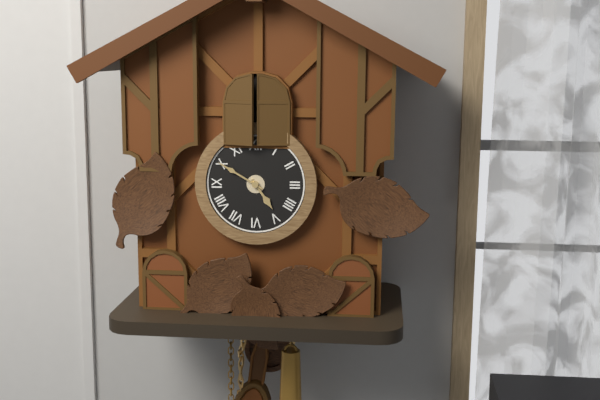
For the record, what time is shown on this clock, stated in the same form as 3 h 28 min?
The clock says 4 h 50 min
